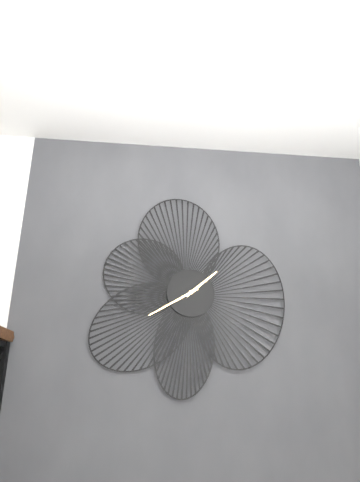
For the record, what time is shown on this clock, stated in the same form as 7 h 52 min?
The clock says 1 h 40 min
